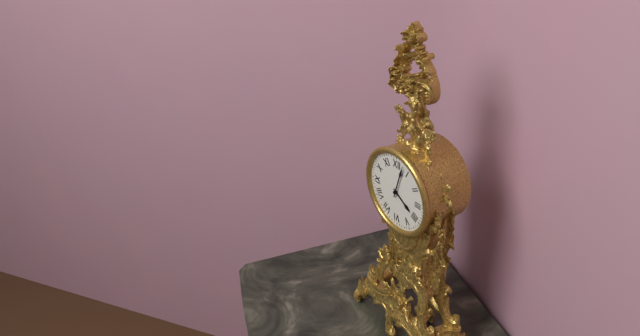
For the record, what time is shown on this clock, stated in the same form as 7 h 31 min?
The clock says 4 h 03 min
